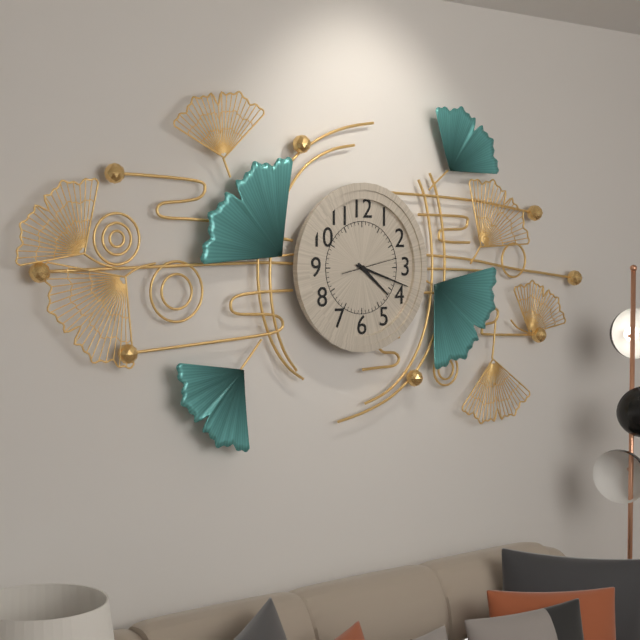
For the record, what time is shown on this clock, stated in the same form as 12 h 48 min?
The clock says 4 h 18 min
